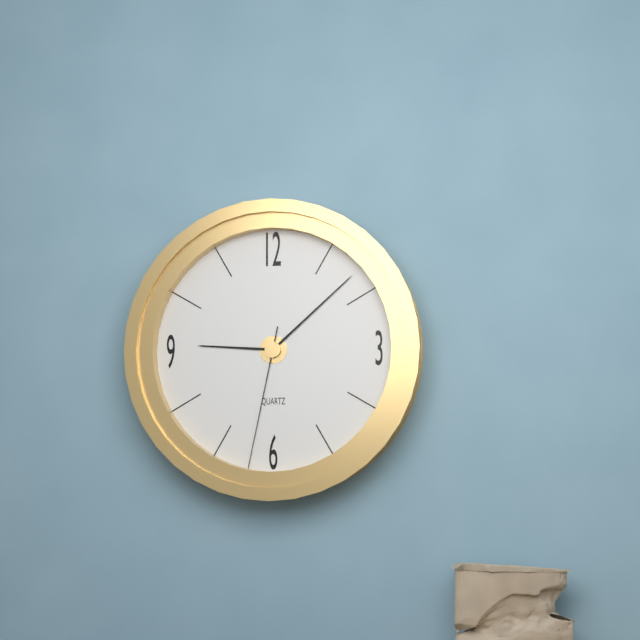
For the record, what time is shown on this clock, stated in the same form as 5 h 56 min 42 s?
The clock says 9 h 08 min 32 s
